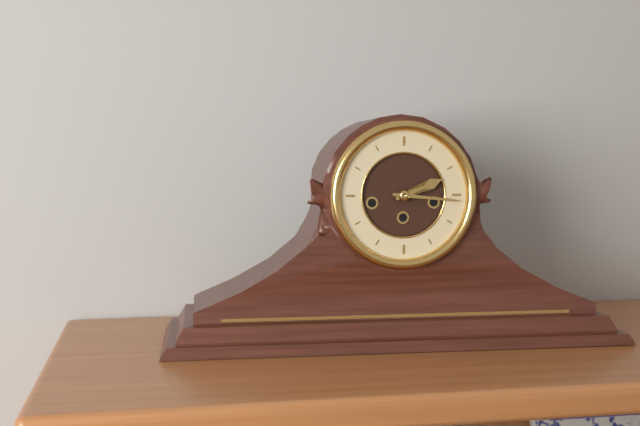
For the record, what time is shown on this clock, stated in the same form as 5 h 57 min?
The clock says 2 h 16 min
